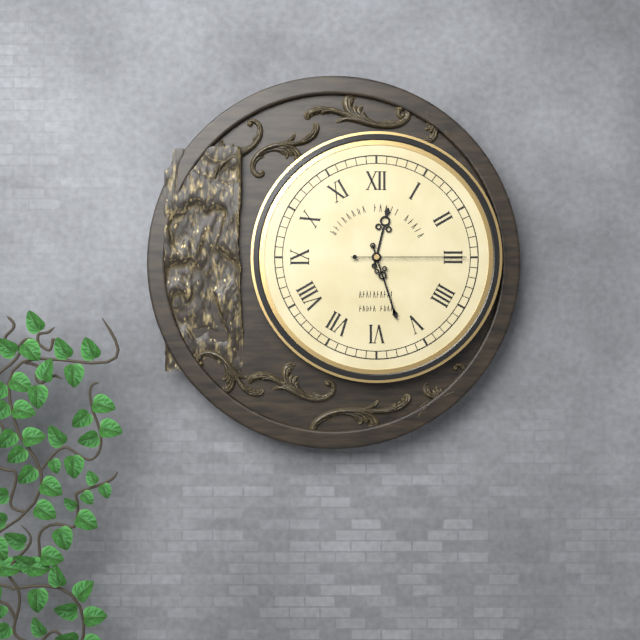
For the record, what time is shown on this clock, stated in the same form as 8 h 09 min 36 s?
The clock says 12 h 27 min 15 s
